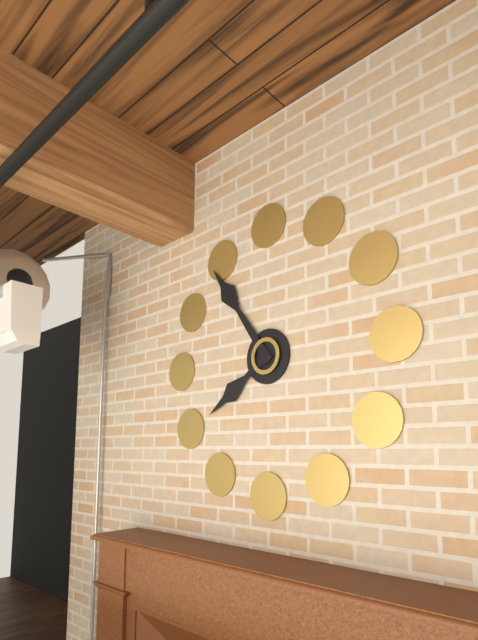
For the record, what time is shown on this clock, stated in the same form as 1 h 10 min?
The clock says 7 h 54 min
